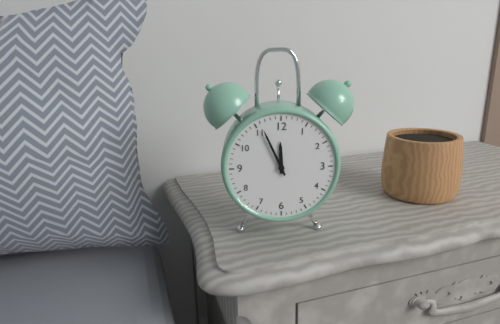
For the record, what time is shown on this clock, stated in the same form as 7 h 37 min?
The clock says 11 h 56 min
